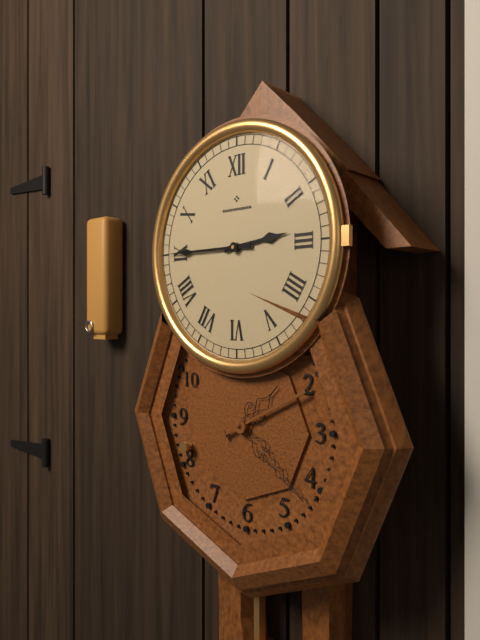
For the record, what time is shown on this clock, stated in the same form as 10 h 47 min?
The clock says 2 h 45 min
